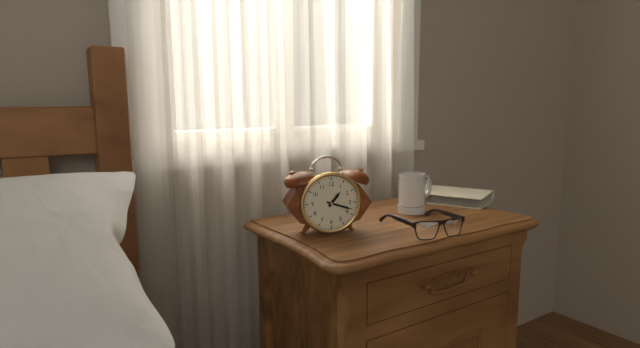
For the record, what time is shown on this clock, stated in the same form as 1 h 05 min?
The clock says 1 h 18 min
